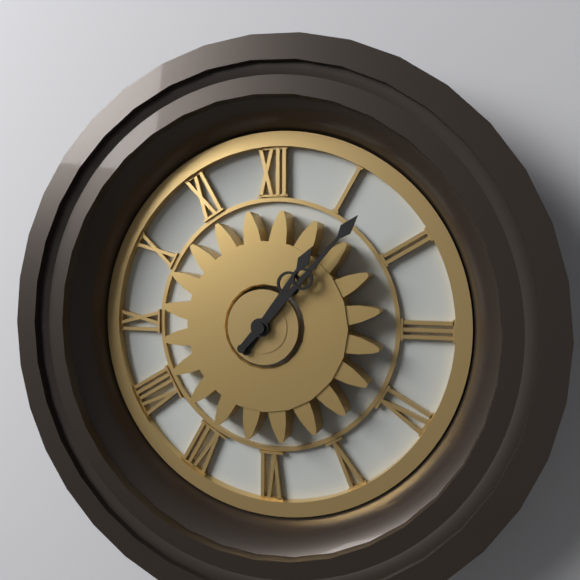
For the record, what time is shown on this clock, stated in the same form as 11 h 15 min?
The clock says 1 h 07 min
